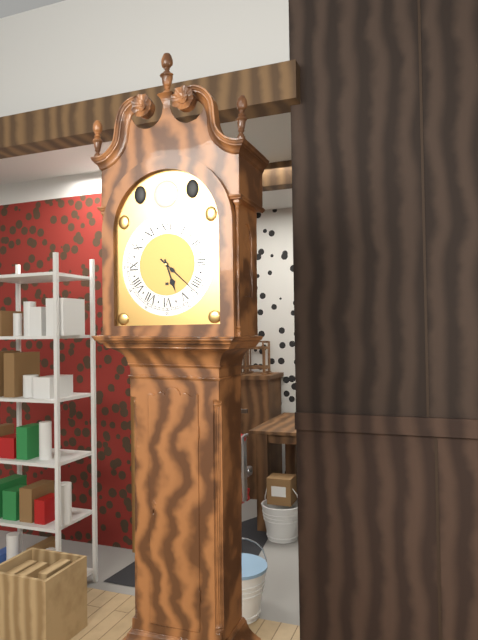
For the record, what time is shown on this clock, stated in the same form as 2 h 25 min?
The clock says 5 h 22 min
